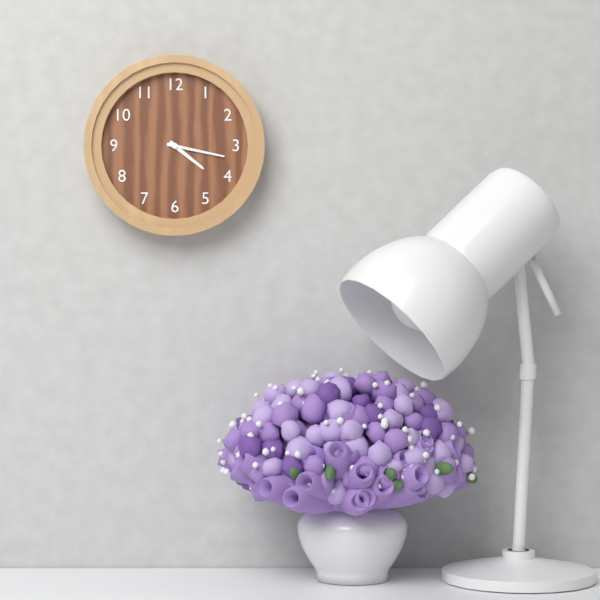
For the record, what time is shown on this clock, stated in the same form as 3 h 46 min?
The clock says 4 h 17 min
